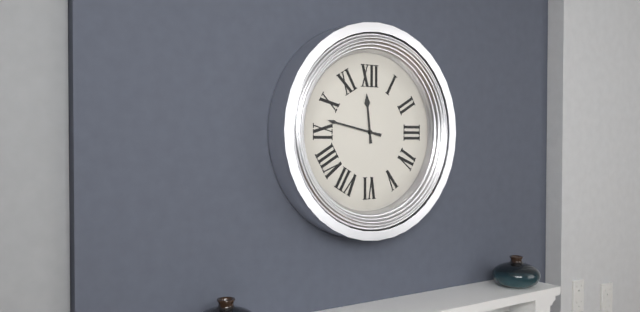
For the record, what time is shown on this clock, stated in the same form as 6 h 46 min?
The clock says 11 h 47 min
